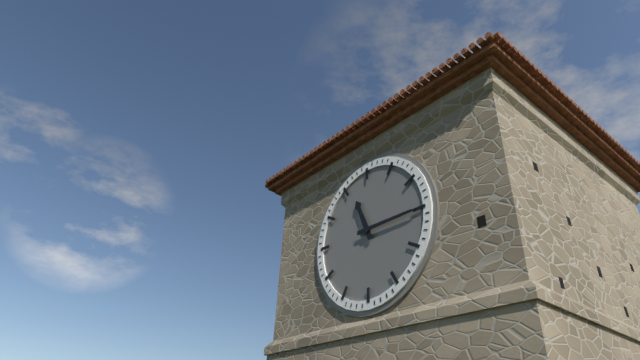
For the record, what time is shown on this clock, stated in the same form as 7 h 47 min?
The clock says 11 h 15 min
